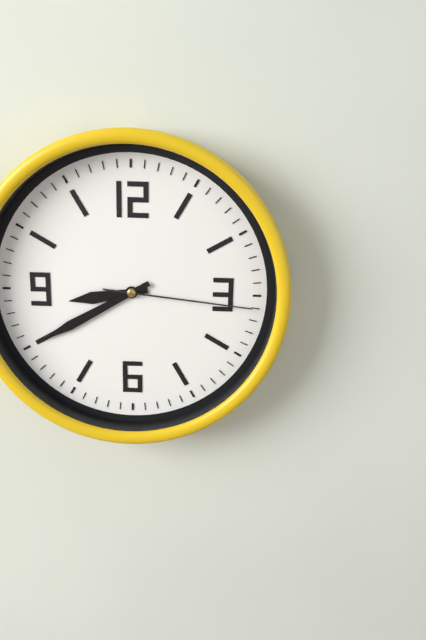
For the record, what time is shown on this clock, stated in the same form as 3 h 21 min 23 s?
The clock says 8 h 40 min 16 s
